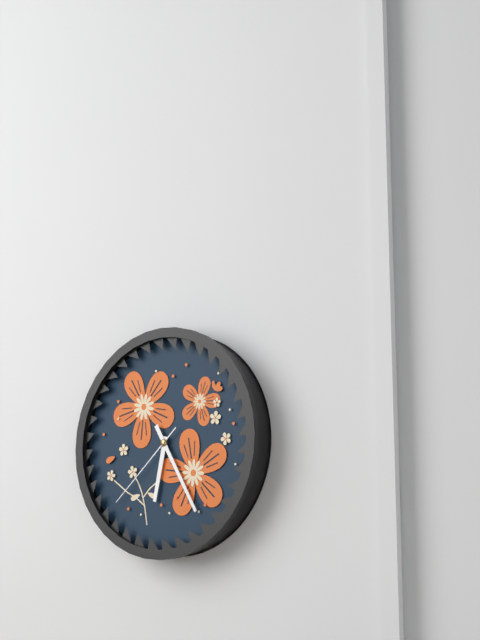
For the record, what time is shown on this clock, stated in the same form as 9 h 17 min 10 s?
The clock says 6 h 25 min 38 s
